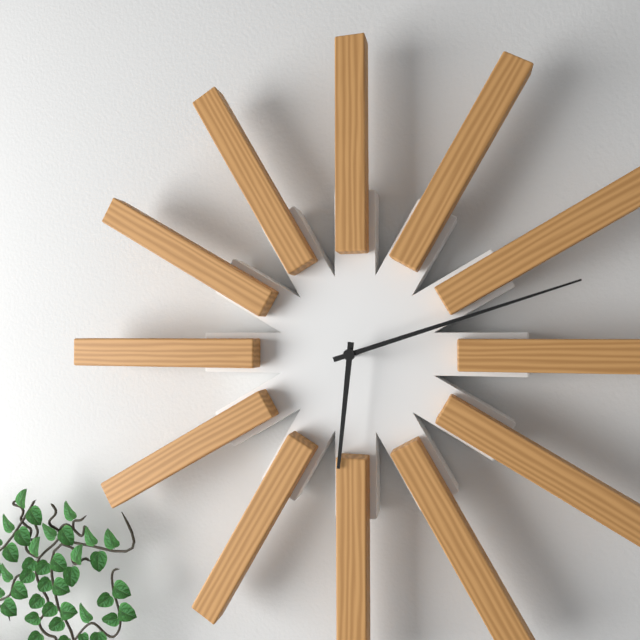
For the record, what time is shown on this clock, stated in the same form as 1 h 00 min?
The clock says 6 h 12 min
